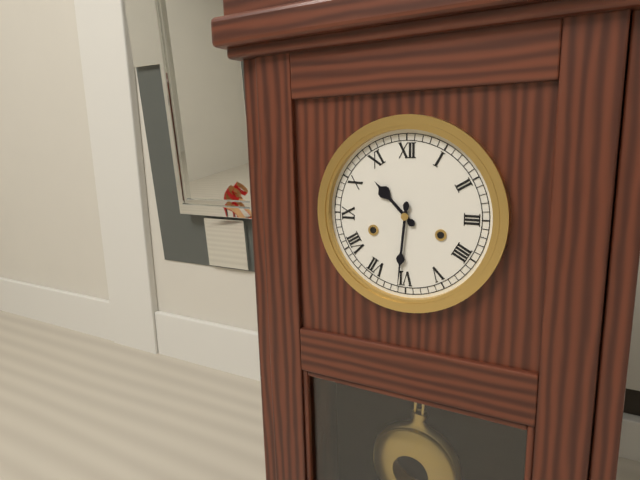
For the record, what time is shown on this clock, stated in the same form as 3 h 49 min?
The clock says 10 h 31 min
